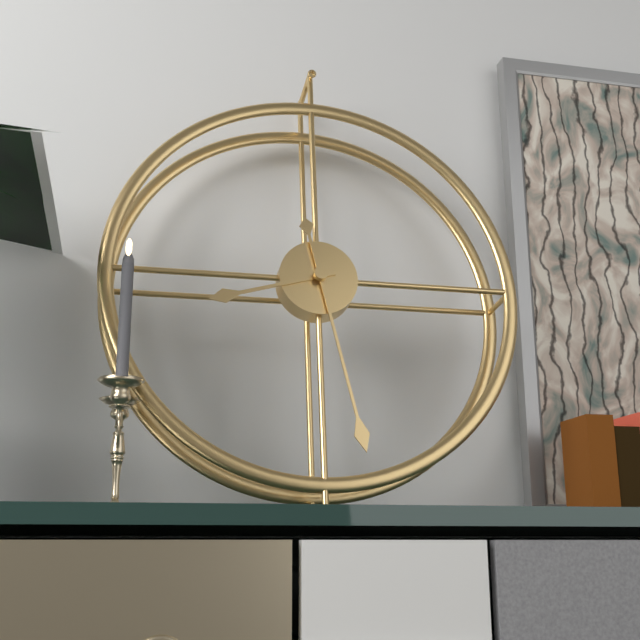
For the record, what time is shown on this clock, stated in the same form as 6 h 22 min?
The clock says 8 h 28 min
